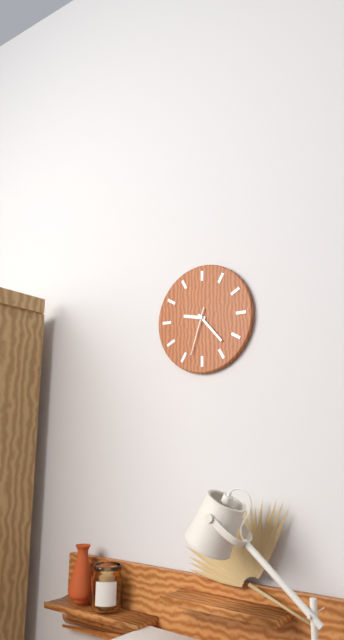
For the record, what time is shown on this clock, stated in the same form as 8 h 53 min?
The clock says 9 h 23 min
